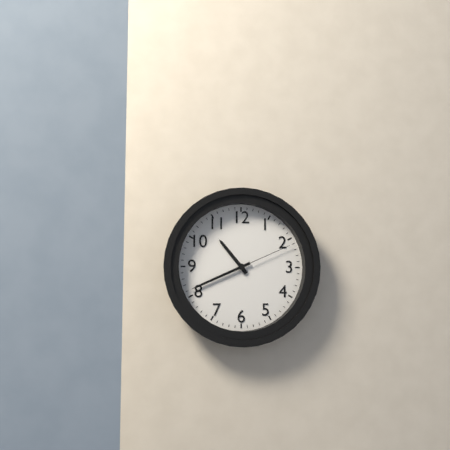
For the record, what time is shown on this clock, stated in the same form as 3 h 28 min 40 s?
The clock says 10 h 41 min 11 s
